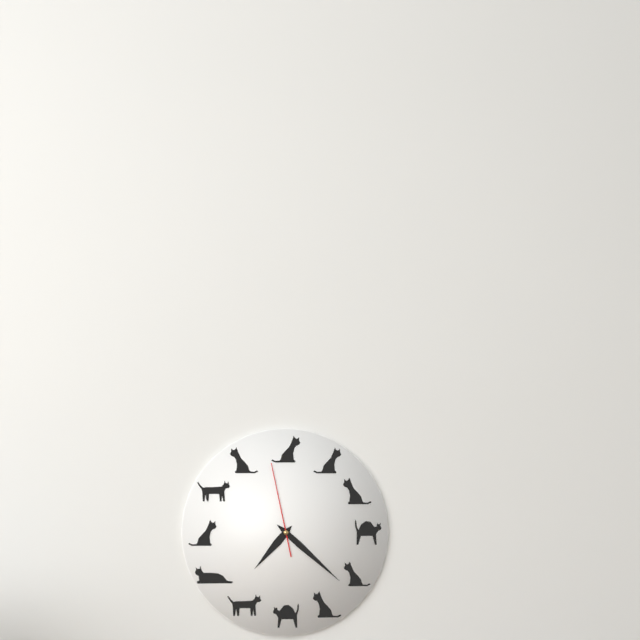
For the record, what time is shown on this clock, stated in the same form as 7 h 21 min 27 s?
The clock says 7 h 22 min 58 s
